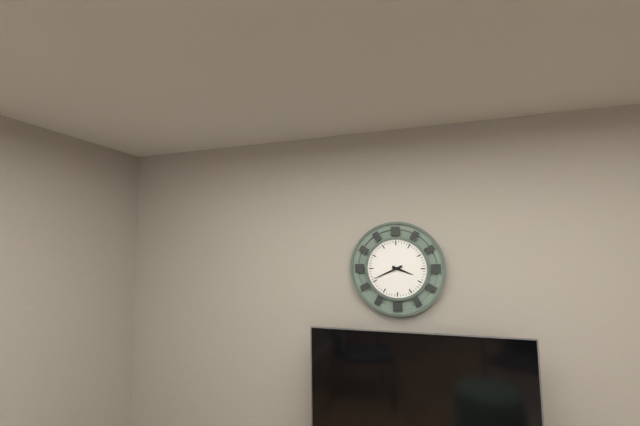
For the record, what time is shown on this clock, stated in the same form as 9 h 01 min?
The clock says 3 h 41 min
